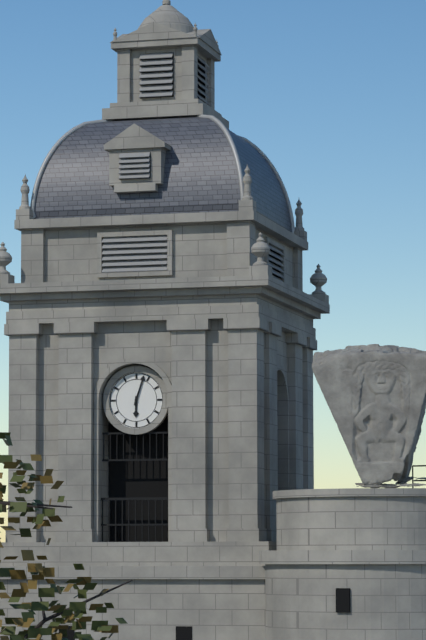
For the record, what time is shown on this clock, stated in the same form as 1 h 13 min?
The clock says 6 h 03 min
